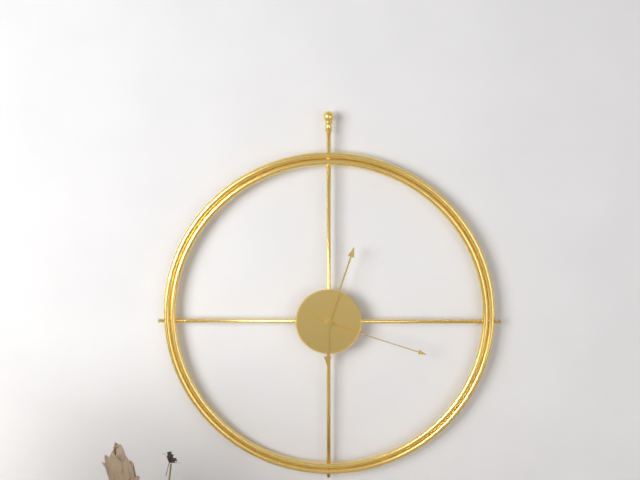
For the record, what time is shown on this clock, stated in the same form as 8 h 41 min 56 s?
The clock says 6 h 03 min 18 s
